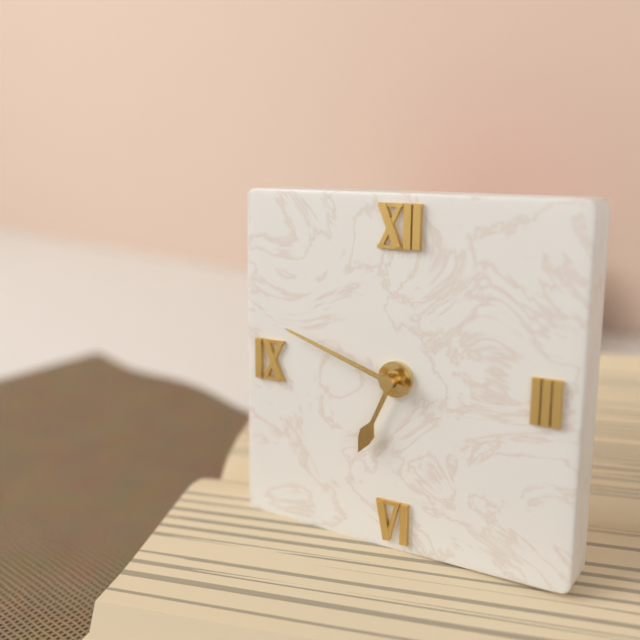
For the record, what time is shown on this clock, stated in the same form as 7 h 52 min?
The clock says 6 h 48 min
